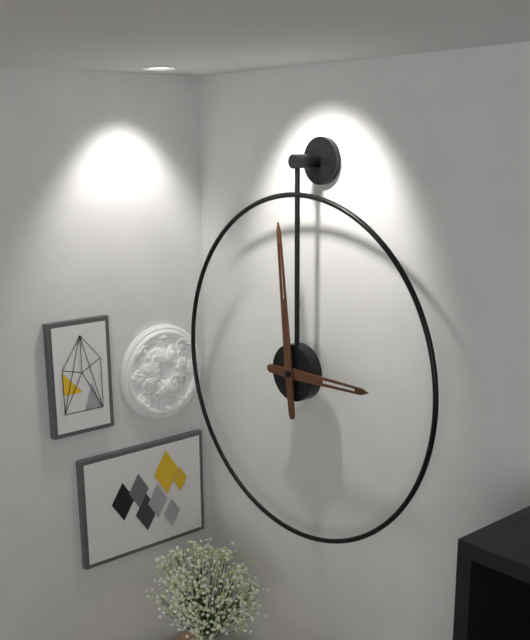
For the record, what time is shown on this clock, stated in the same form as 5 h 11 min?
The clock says 2 h 59 min
